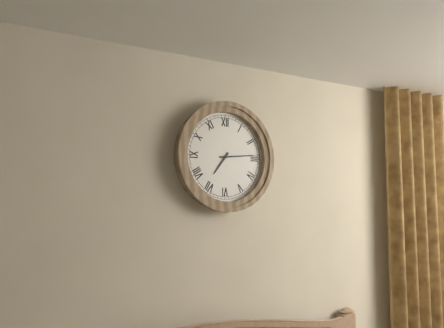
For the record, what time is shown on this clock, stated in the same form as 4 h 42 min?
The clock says 7 h 14 min
